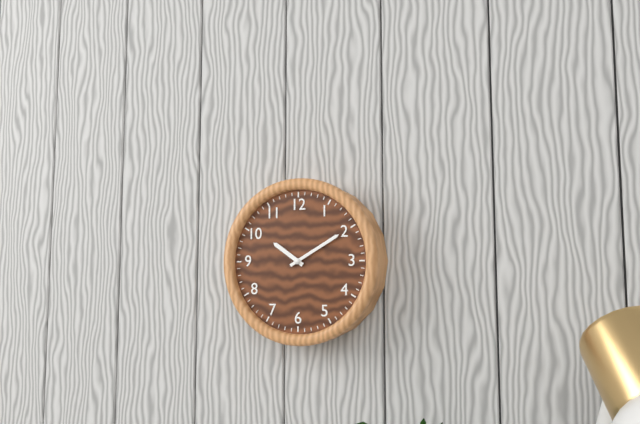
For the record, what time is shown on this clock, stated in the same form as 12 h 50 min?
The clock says 10 h 10 min
